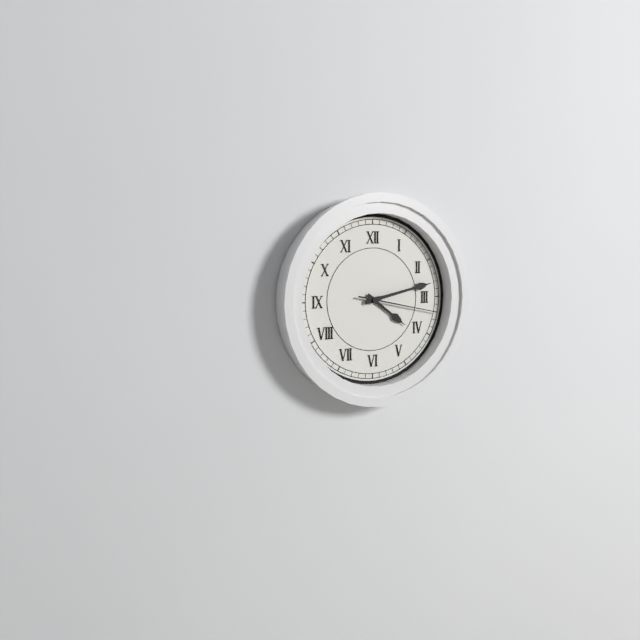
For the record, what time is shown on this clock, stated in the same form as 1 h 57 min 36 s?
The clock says 4 h 13 min 17 s
